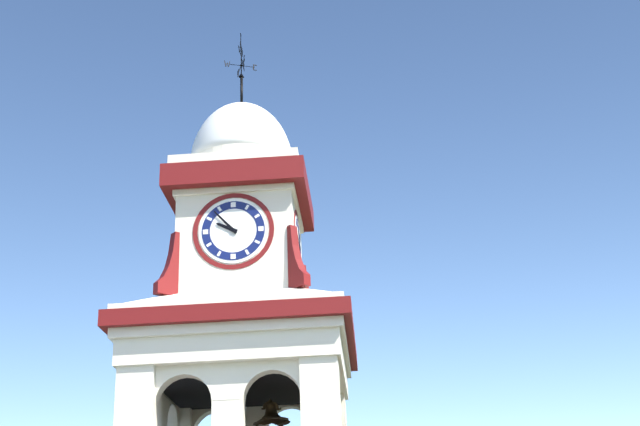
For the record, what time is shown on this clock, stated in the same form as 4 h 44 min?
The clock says 9 h 53 min
